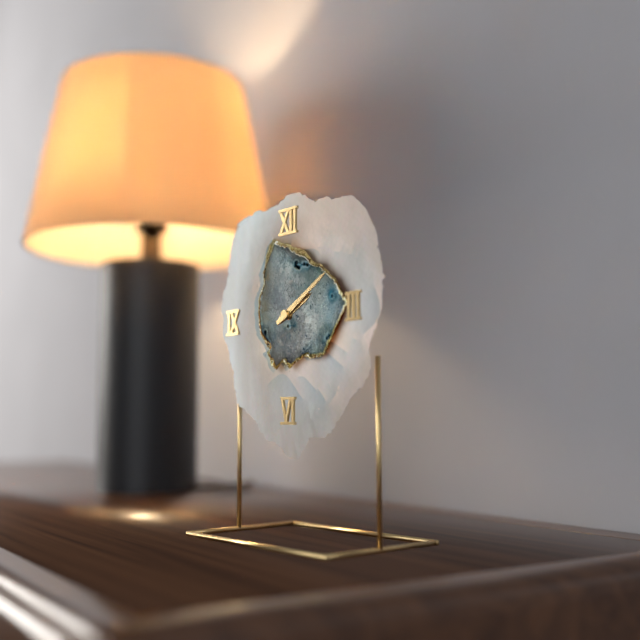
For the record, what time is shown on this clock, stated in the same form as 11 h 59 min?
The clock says 2 h 10 min
